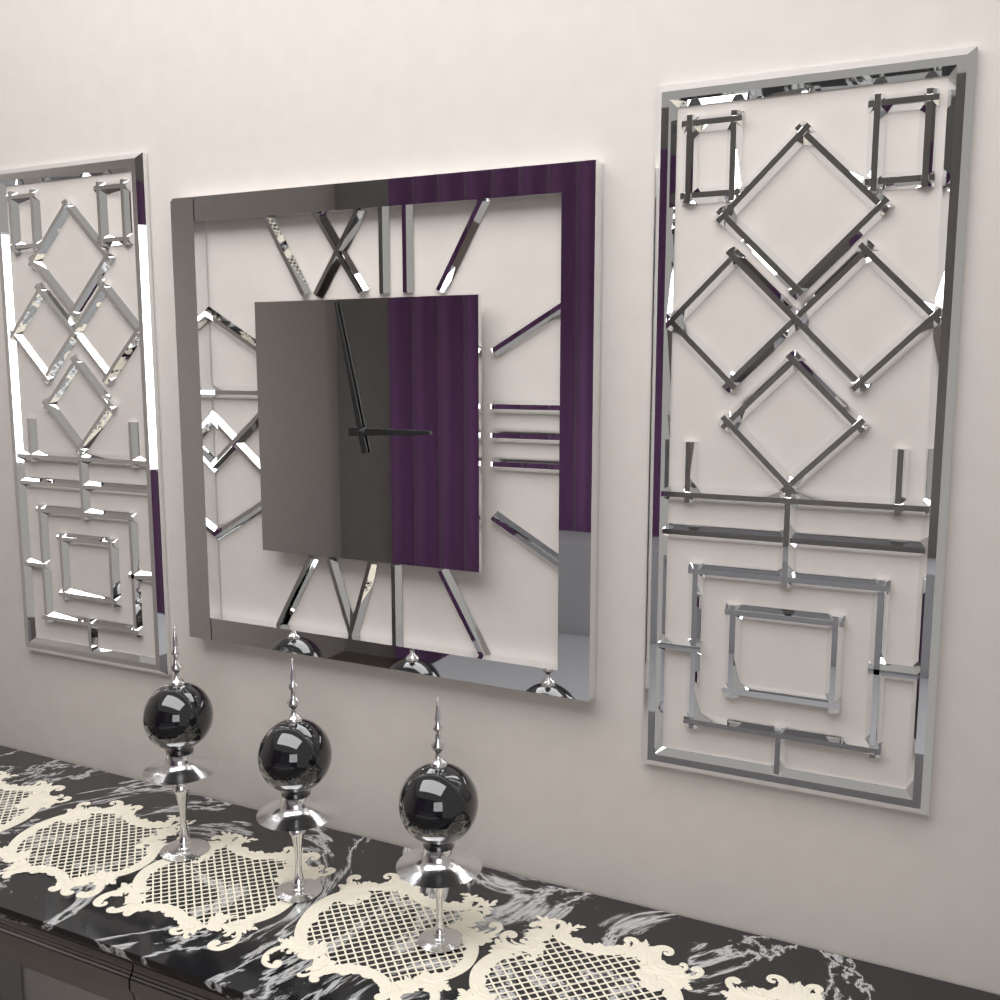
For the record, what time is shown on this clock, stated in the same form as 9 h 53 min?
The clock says 2 h 58 min
